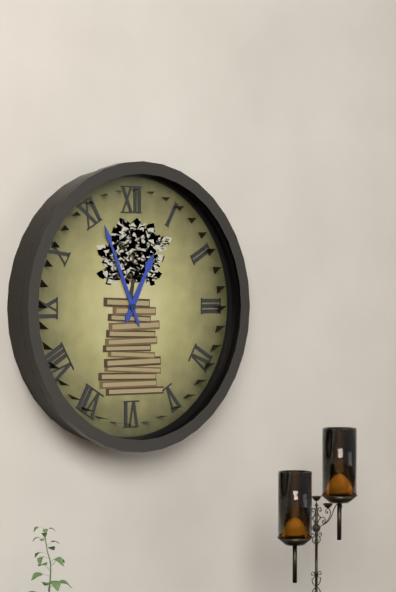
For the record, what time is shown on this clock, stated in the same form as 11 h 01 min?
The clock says 12 h 56 min
